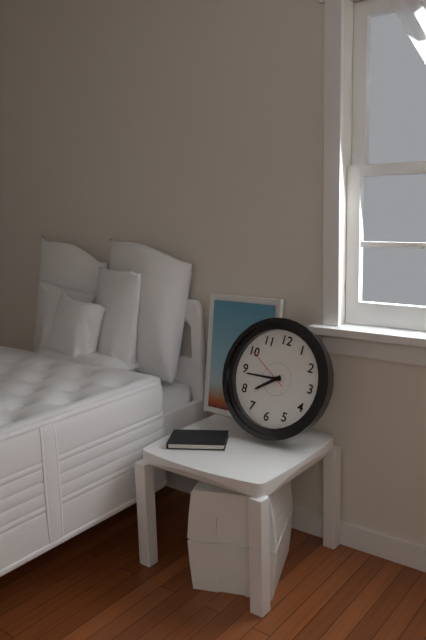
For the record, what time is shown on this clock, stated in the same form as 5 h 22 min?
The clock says 7 h 44 min
